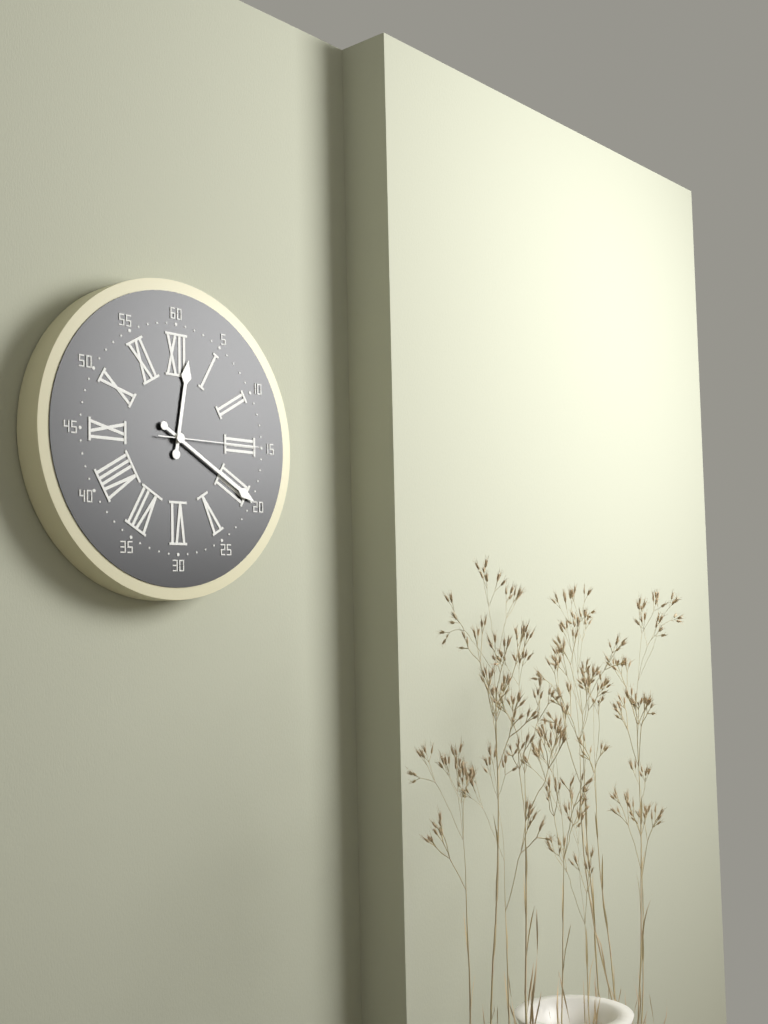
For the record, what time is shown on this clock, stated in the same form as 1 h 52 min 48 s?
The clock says 12 h 20 min 15 s
